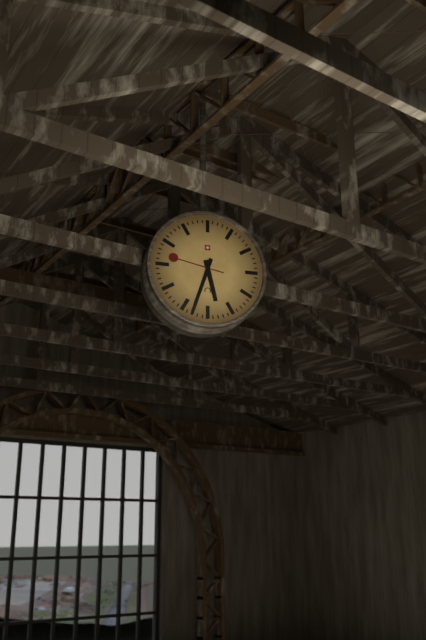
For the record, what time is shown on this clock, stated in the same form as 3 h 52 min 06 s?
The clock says 5 h 33 min 47 s
